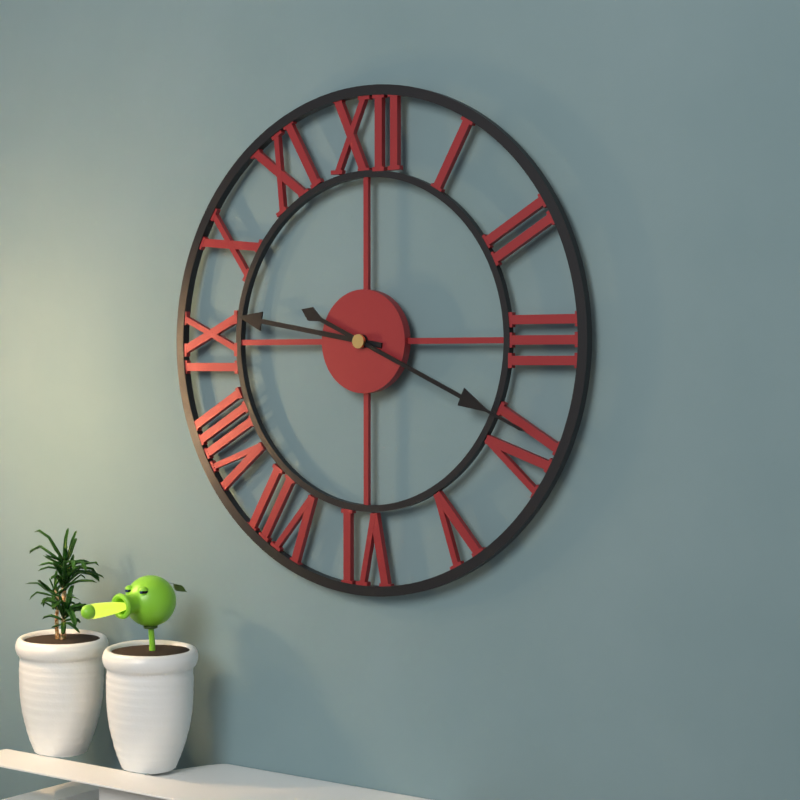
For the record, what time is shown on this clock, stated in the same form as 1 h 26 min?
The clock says 9 h 19 min
